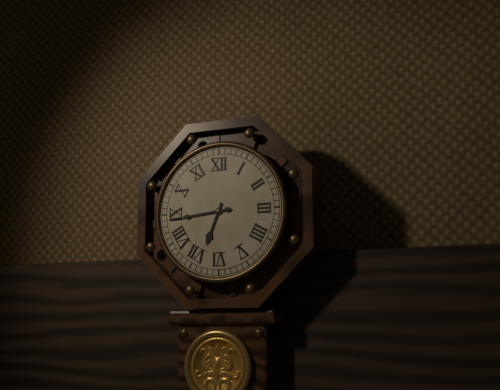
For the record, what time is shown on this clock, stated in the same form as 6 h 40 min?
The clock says 6 h 44 min
